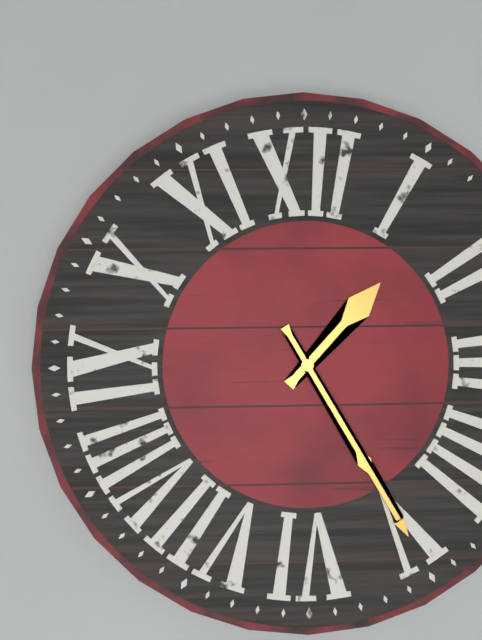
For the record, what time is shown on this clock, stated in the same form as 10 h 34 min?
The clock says 1 h 25 min
